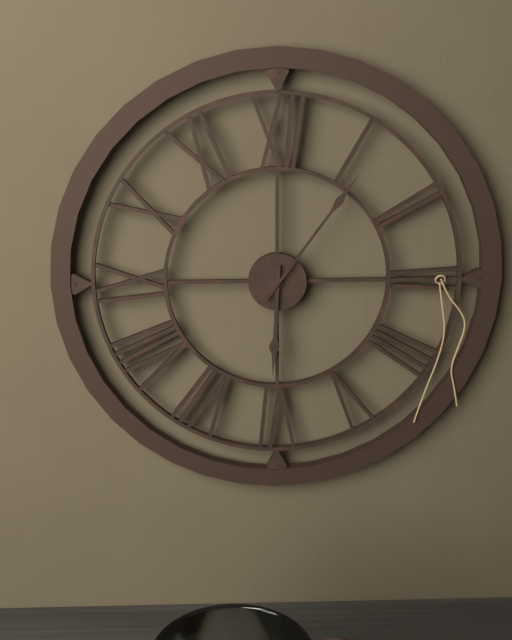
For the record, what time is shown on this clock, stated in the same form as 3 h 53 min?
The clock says 6 h 06 min
